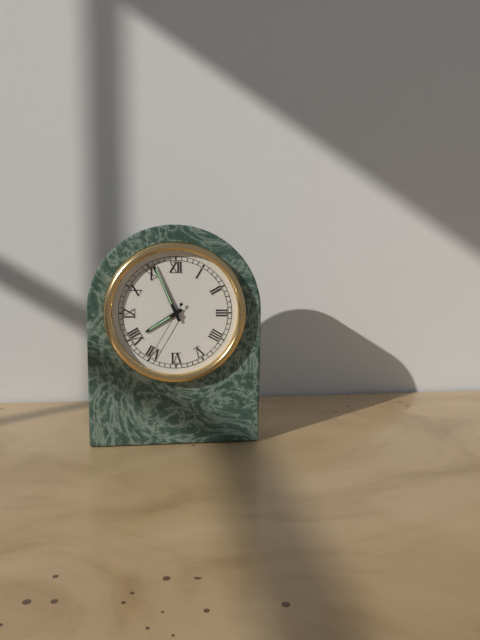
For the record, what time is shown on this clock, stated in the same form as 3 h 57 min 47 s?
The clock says 7 h 56 min 35 s
